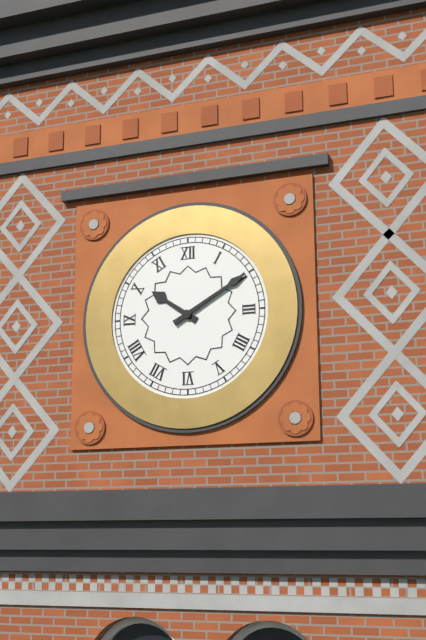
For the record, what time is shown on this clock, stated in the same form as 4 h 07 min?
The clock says 10 h 10 min
